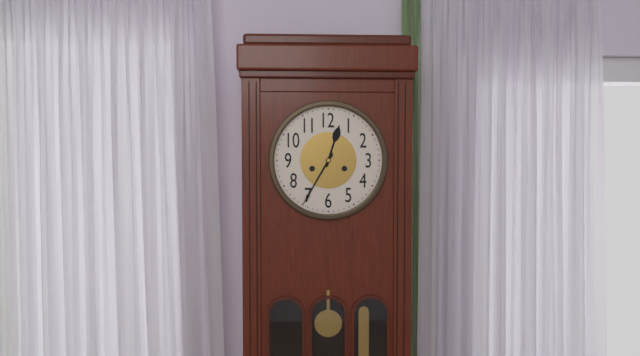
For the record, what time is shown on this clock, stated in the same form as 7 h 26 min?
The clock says 12 h 35 min
